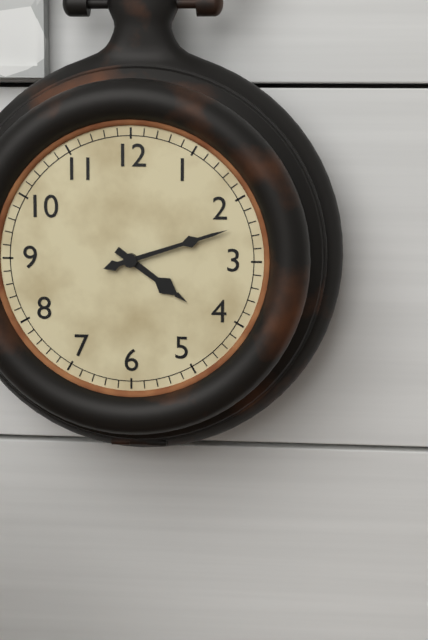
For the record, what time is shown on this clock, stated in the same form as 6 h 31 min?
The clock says 4 h 12 min
